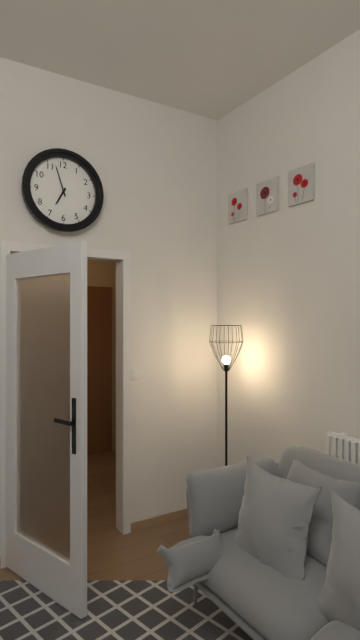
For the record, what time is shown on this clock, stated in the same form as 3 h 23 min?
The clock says 6 h 57 min
